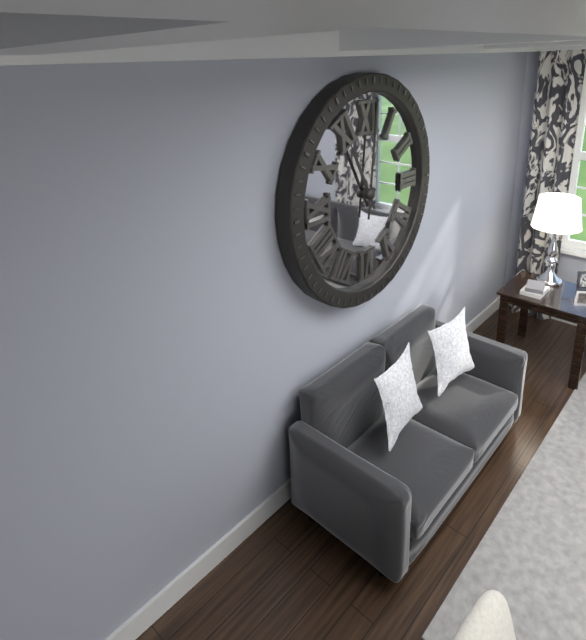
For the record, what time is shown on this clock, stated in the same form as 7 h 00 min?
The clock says 11 h 01 min
